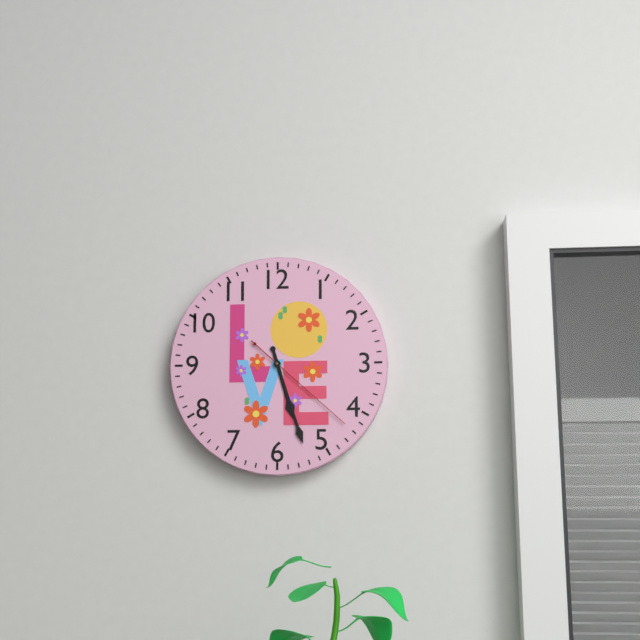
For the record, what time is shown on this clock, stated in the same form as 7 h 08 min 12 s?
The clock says 5 h 27 min 22 s
